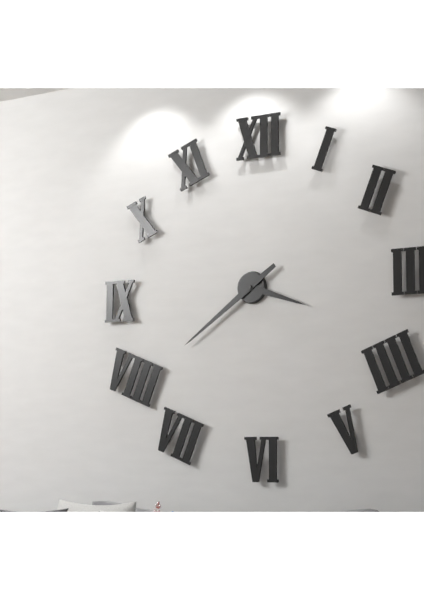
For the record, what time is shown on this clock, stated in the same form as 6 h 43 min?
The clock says 3 h 39 min
